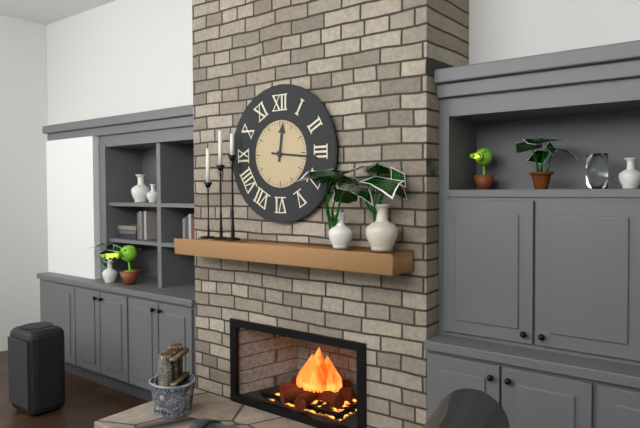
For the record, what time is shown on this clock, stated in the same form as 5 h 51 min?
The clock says 12 h 16 min
